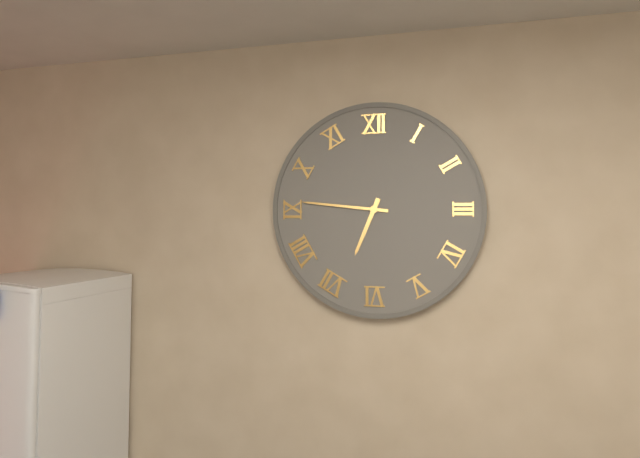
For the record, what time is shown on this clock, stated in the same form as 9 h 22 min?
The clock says 6 h 46 min
